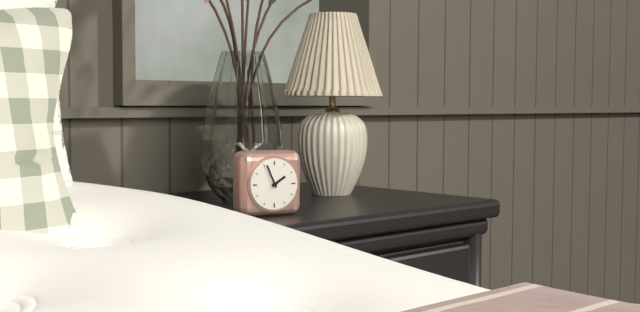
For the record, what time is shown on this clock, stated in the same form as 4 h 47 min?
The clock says 1 h 56 min
